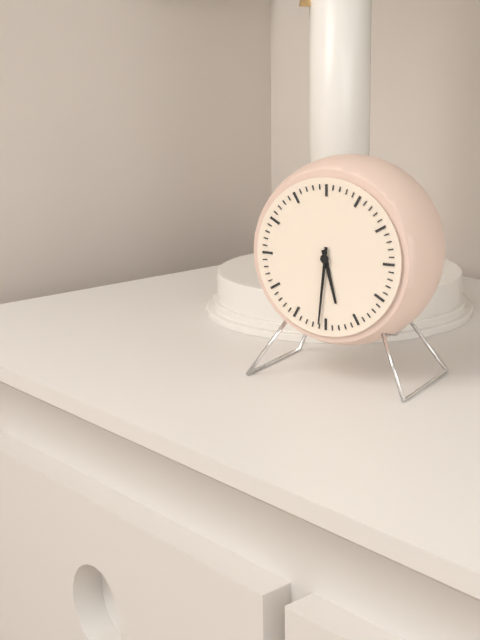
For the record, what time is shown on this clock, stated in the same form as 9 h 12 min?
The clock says 5 h 31 min
